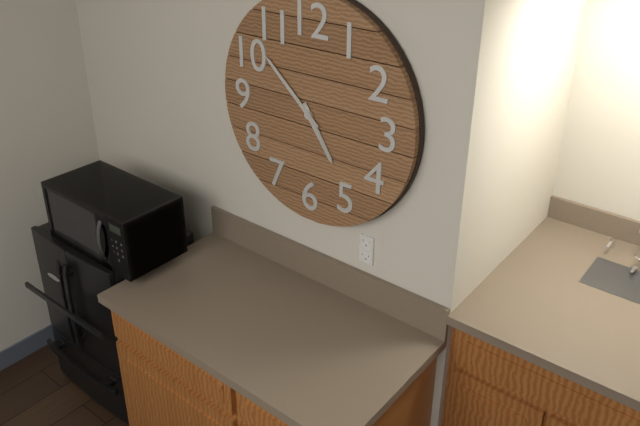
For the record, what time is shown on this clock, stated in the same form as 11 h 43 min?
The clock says 4 h 52 min
